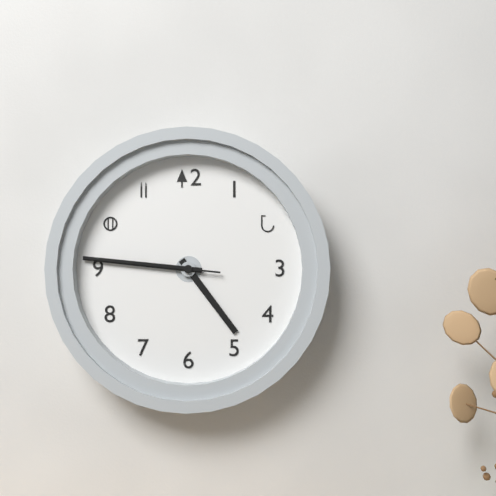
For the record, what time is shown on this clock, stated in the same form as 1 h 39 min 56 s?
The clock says 4 h 46 min 46 s
